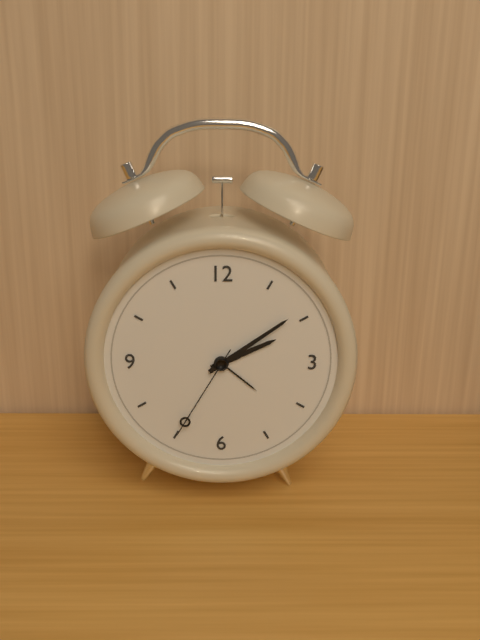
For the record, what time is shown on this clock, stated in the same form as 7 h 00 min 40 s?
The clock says 2 h 09 min 35 s
